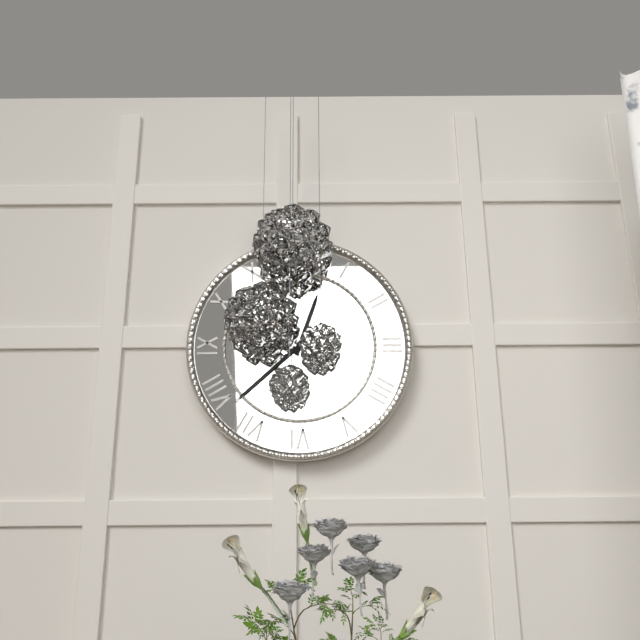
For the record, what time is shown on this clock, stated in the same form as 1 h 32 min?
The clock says 12 h 38 min
